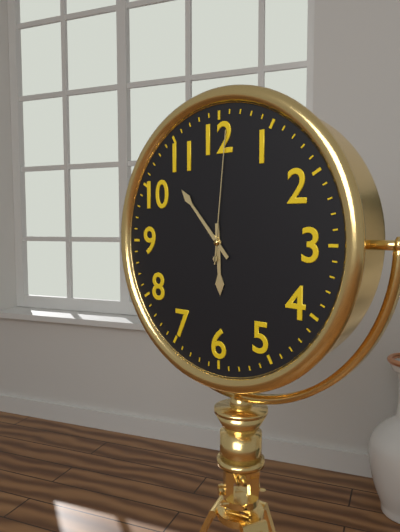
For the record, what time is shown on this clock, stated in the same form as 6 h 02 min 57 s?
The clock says 5 h 53 min 01 s
